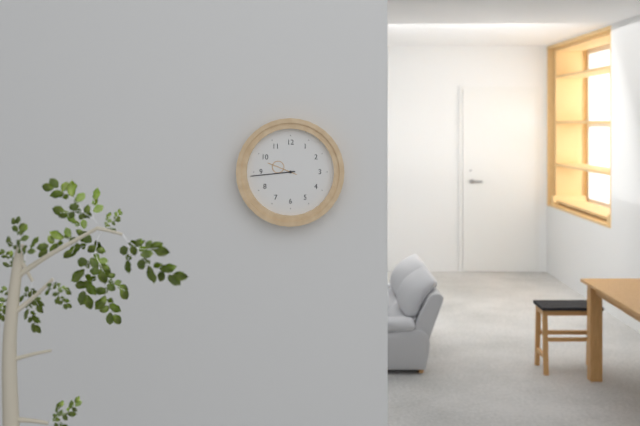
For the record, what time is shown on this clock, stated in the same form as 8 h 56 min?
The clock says 9 h 44 min
